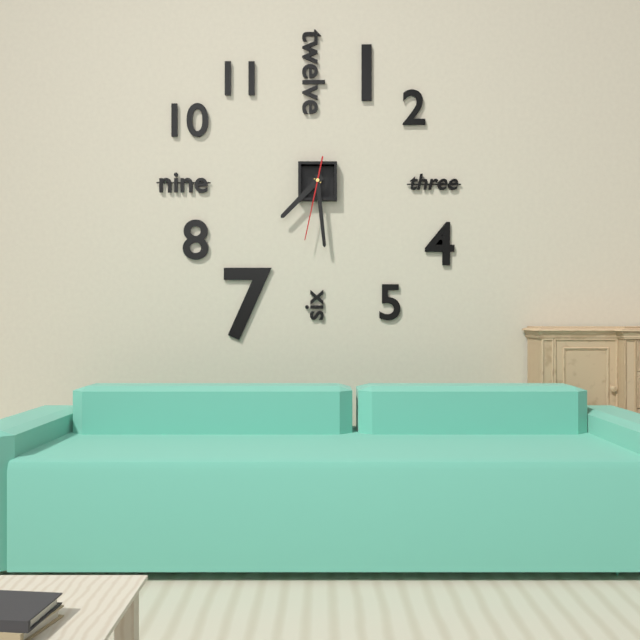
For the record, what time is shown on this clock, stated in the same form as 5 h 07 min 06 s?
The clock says 7 h 29 min 32 s
